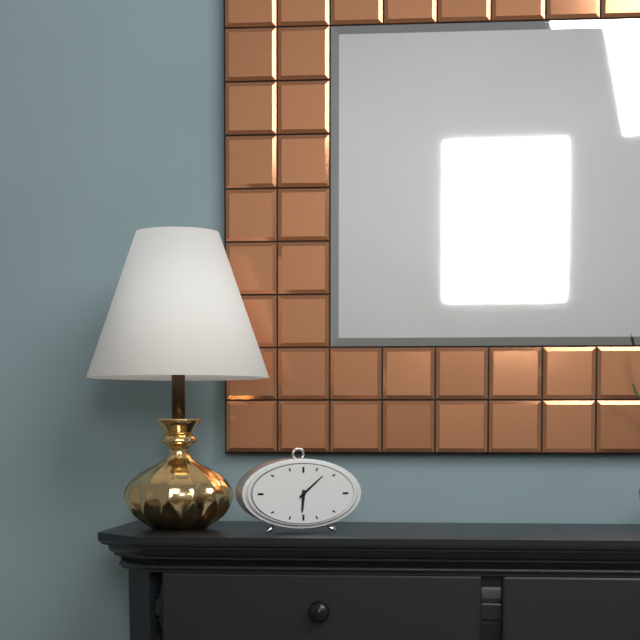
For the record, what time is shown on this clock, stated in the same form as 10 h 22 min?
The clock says 6 h 08 min
